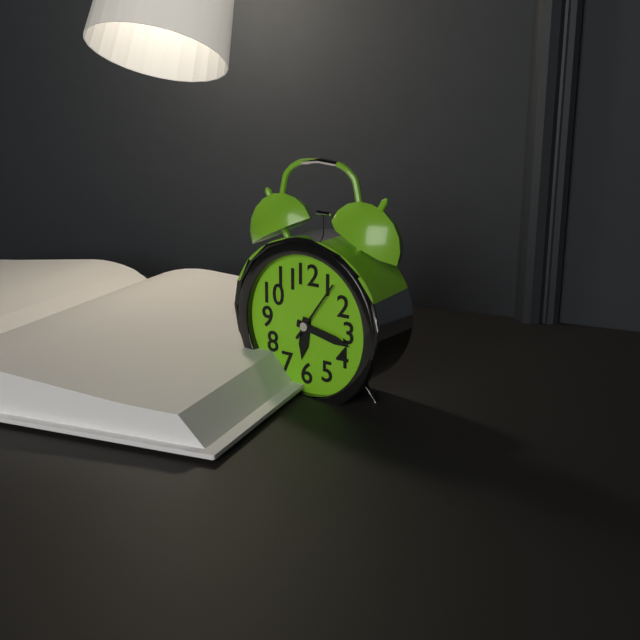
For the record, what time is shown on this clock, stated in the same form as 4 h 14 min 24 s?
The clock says 6 h 17 min 06 s
